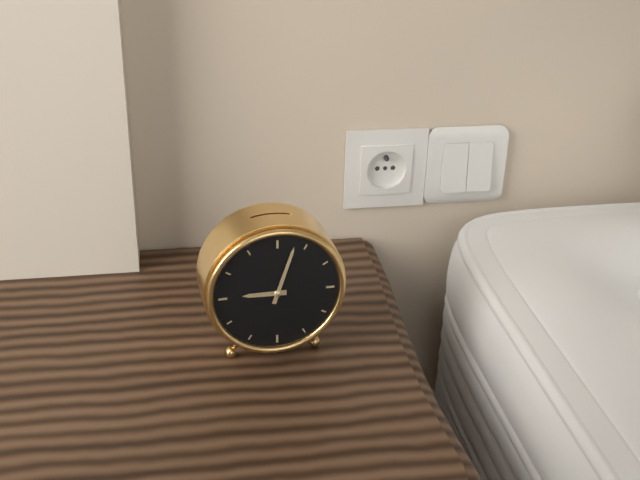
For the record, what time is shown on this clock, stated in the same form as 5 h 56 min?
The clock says 9 h 03 min
